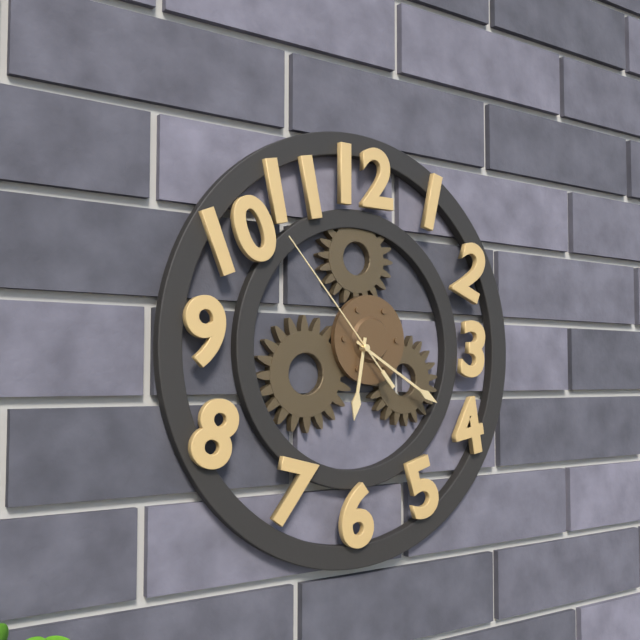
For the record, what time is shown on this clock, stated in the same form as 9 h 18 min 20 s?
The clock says 6 h 20 min 53 s
